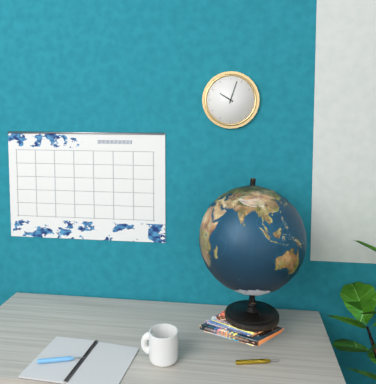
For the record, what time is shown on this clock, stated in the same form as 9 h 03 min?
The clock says 10 h 03 min
